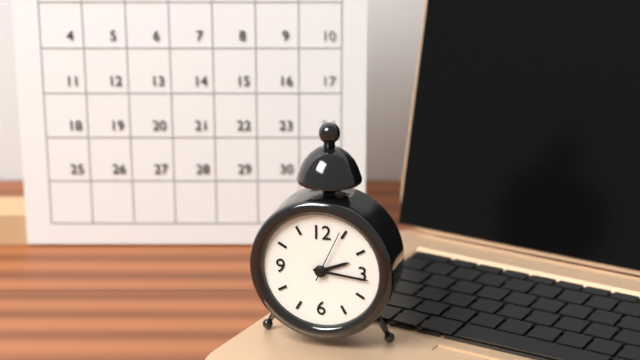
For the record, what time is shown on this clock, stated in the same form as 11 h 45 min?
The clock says 2 h 16 min
